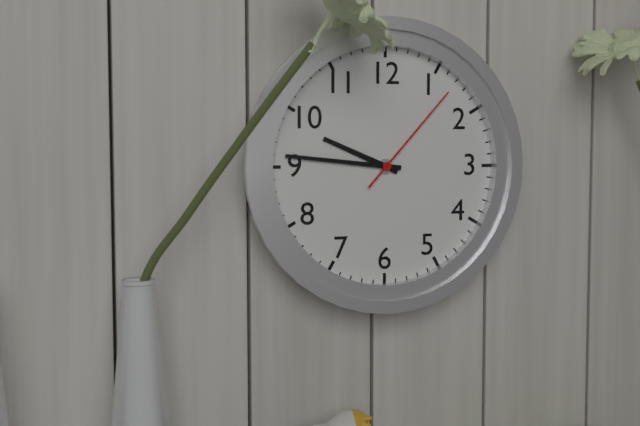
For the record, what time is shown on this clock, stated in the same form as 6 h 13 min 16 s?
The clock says 9 h 46 min 07 s
